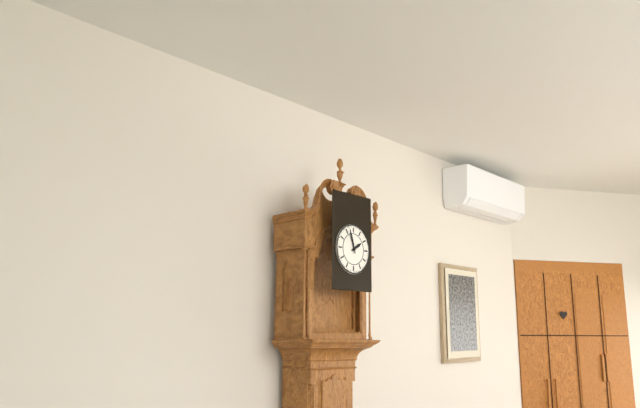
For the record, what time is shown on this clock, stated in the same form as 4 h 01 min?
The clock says 1 h 57 min
